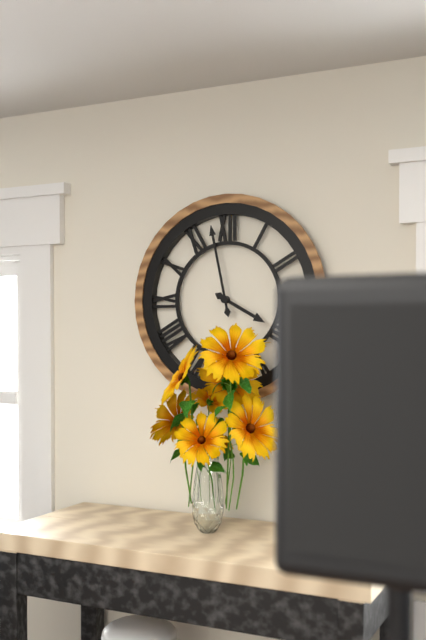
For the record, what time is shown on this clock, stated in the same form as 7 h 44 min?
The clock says 3 h 58 min
